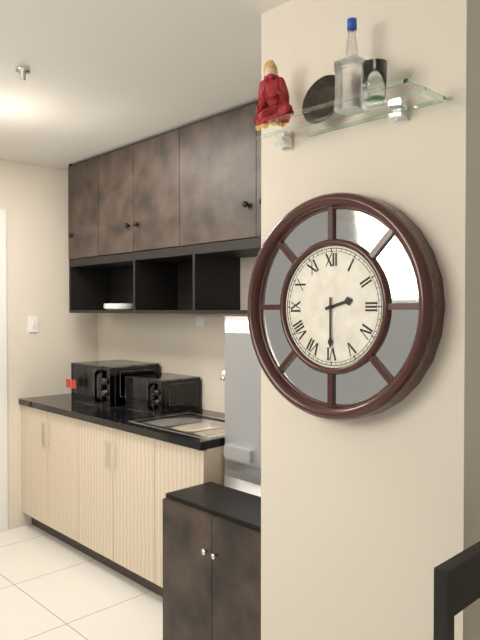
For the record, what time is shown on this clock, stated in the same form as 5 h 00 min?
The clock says 2 h 30 min
